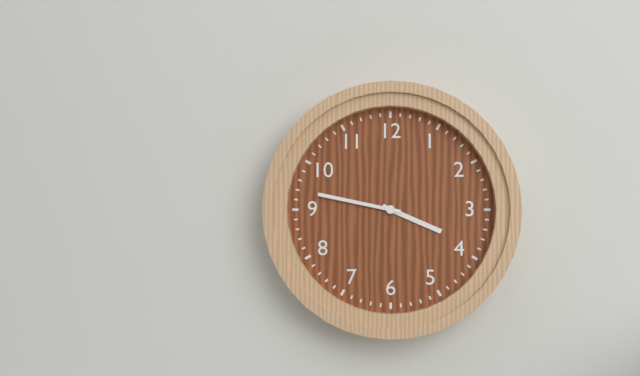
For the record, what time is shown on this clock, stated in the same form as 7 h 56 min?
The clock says 3 h 47 min
